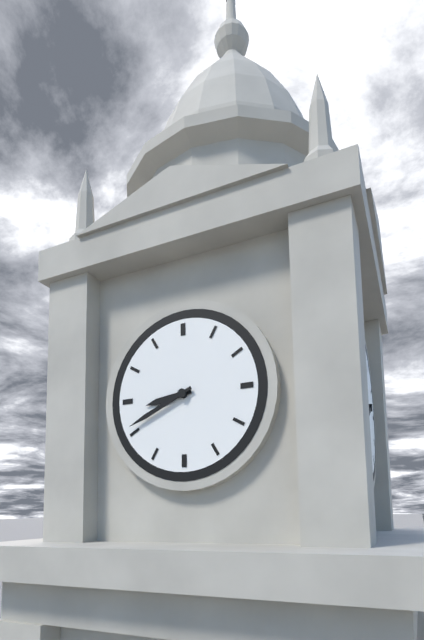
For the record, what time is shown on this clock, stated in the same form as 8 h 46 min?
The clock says 8 h 41 min
